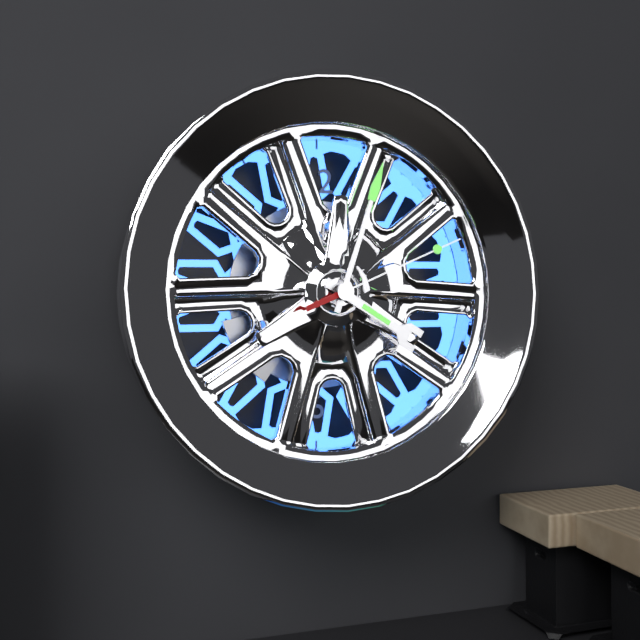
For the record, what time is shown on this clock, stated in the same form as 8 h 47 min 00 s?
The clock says 4 h 03 min 11 s
